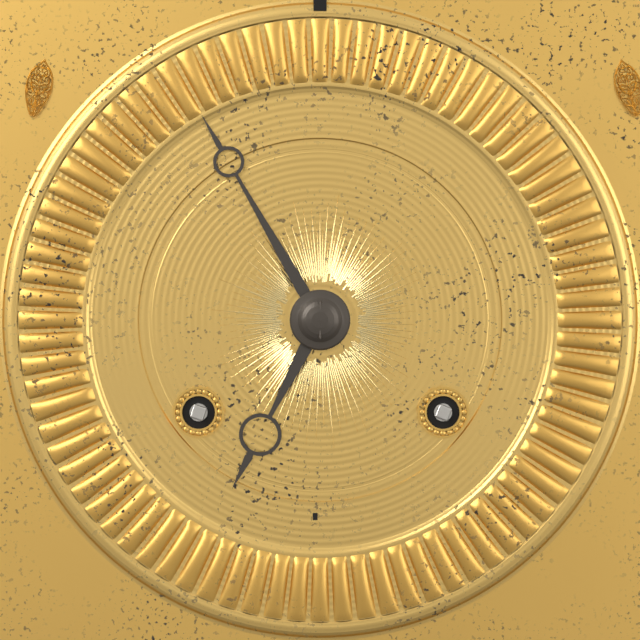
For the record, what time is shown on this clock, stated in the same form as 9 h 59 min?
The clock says 6 h 55 min
